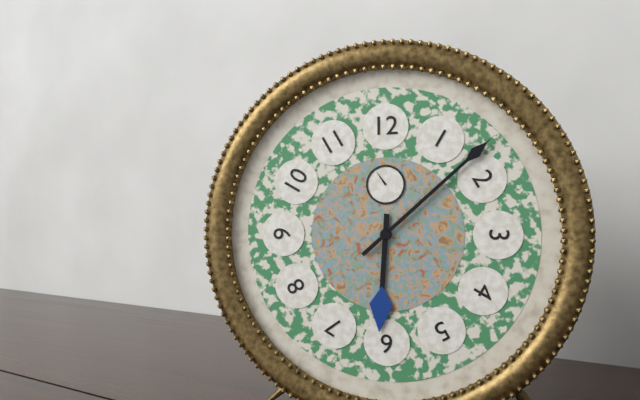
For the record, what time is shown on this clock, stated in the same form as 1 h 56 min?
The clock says 6 h 08 min
